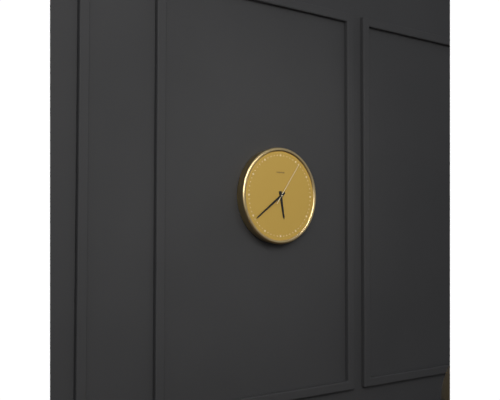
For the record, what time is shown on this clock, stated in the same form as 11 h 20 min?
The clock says 5 h 39 min
